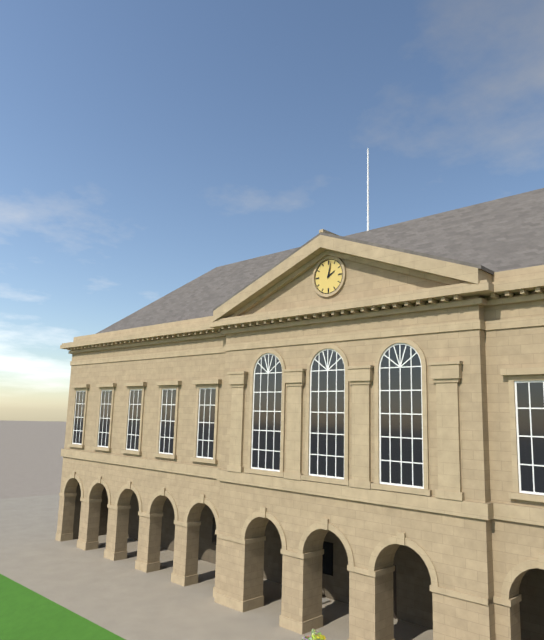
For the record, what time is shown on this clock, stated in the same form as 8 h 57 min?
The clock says 2 h 02 min
